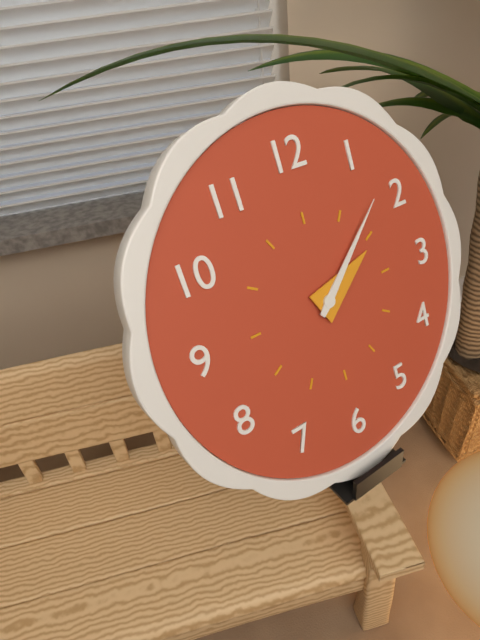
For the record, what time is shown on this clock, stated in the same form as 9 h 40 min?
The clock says 2 h 08 min
